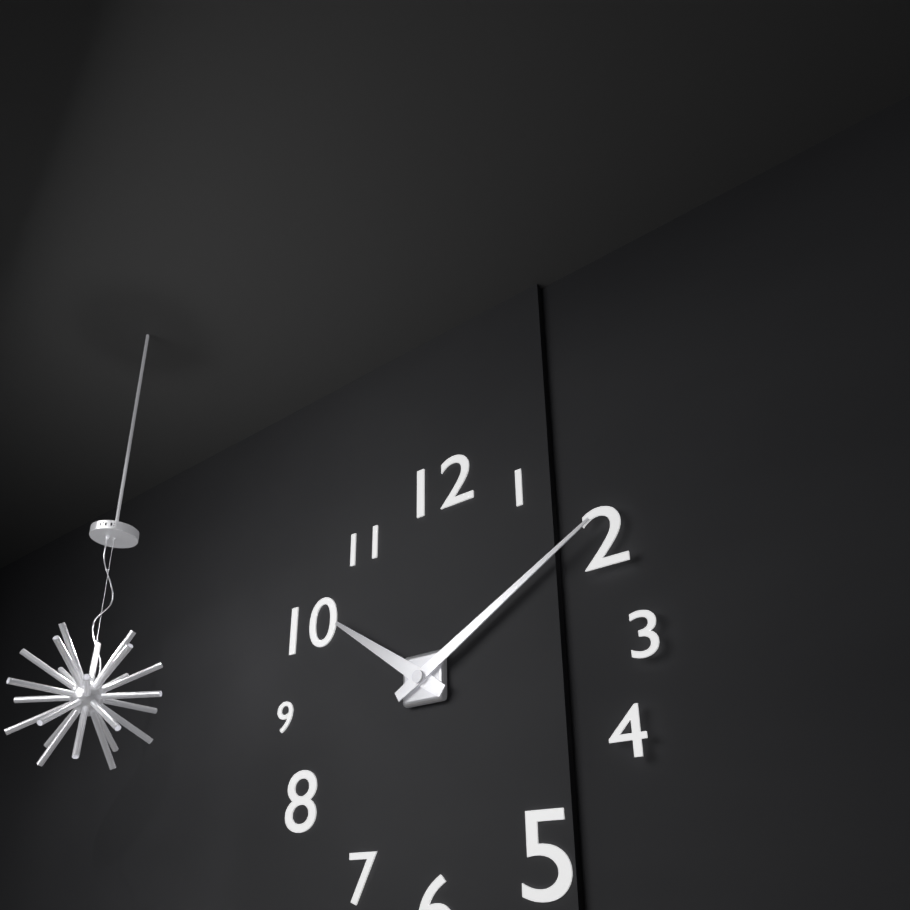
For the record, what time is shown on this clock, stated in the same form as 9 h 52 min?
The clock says 10 h 10 min
